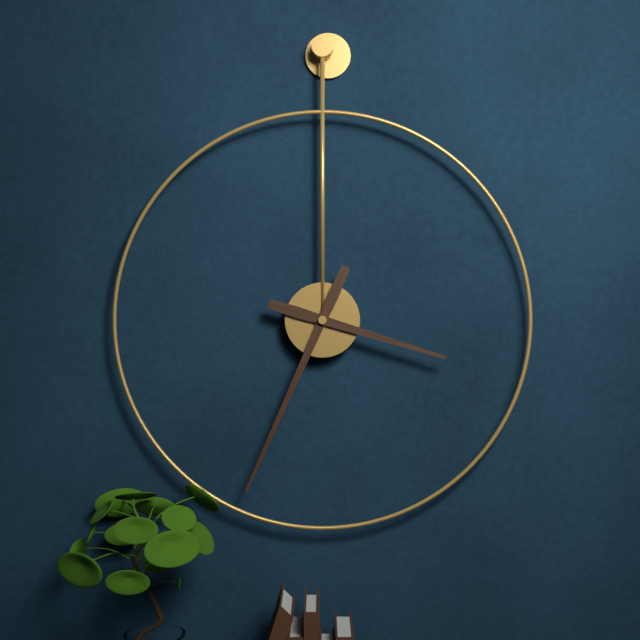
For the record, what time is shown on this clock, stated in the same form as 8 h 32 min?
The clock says 3 h 34 min
